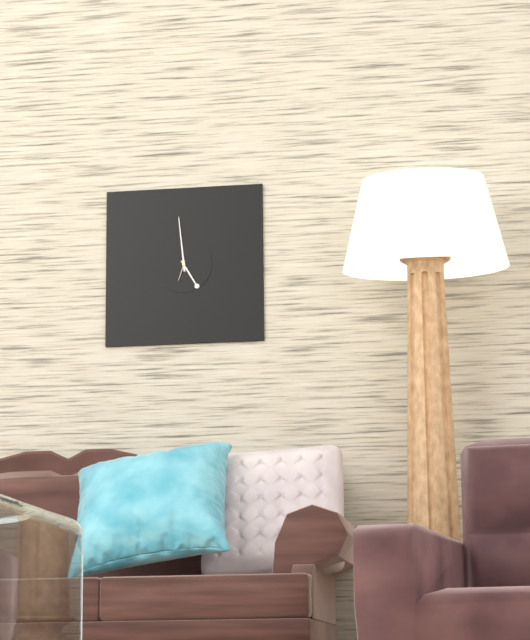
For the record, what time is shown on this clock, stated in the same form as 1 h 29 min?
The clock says 4 h 59 min
